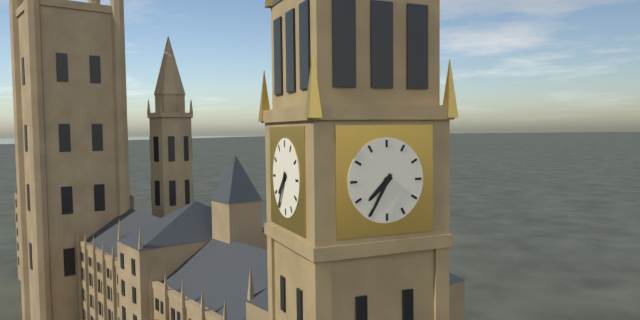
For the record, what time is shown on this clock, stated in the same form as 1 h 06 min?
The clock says 7 h 35 min
